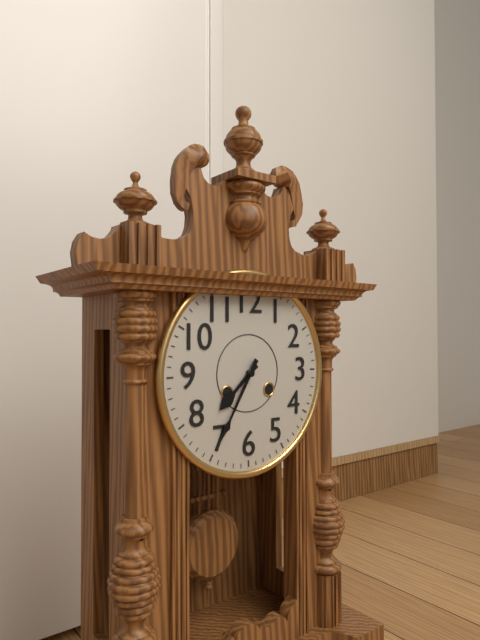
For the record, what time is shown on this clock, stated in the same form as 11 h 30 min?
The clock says 7 h 35 min
